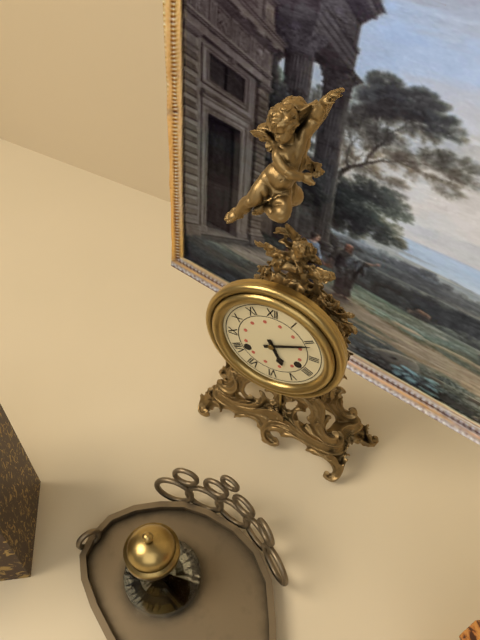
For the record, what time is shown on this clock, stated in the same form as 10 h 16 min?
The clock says 5 h 11 min
